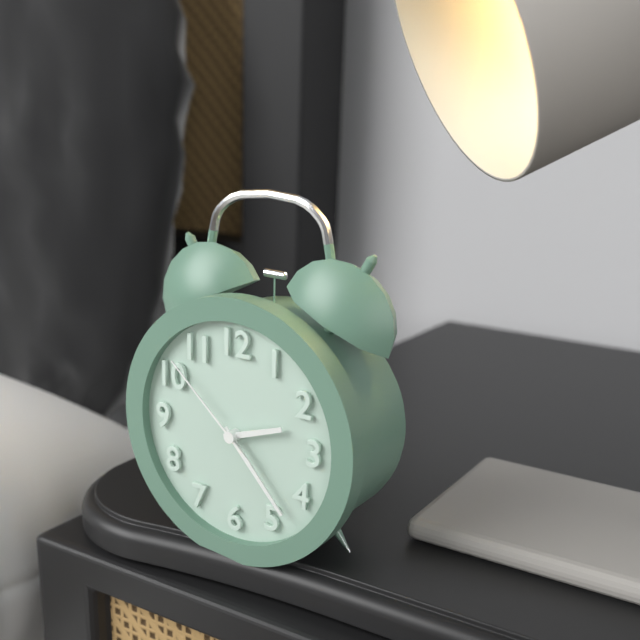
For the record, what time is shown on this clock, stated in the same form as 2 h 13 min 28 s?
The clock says 2 h 23 min 52 s
